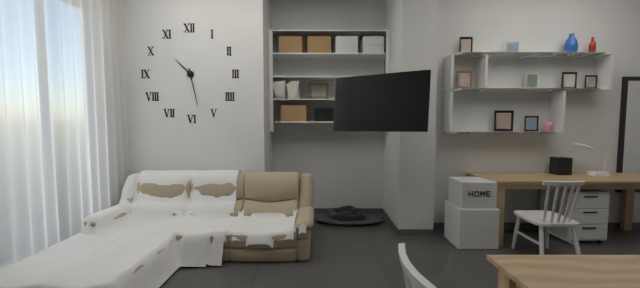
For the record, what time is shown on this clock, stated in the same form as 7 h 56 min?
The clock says 10 h 28 min
